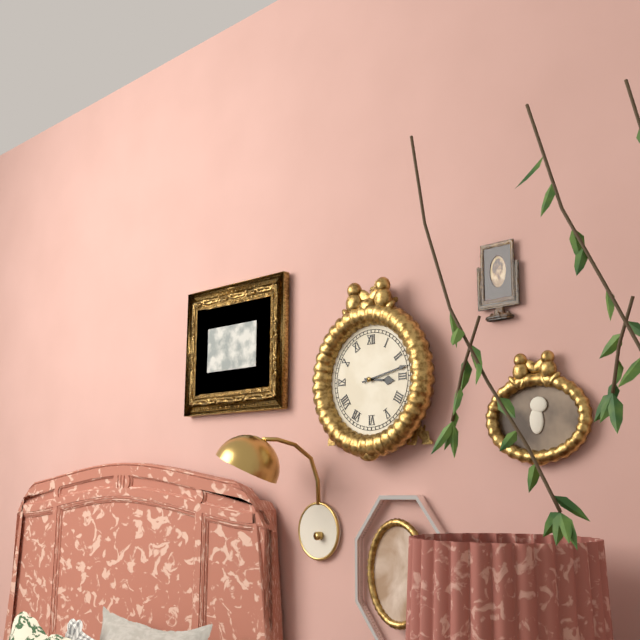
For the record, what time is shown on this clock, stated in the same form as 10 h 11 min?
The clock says 3 h 13 min
